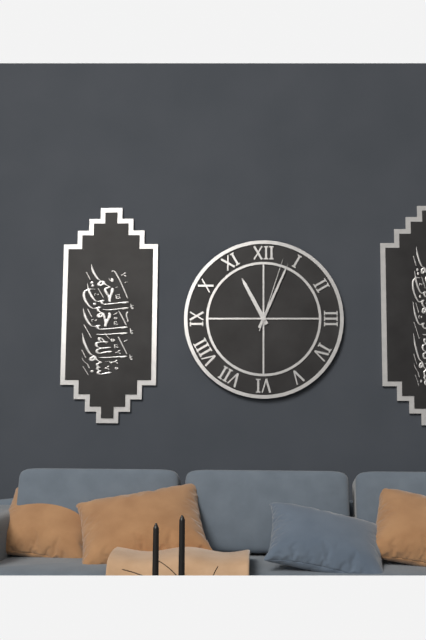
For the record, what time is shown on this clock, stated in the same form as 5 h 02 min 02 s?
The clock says 11 h 04 min 03 s
